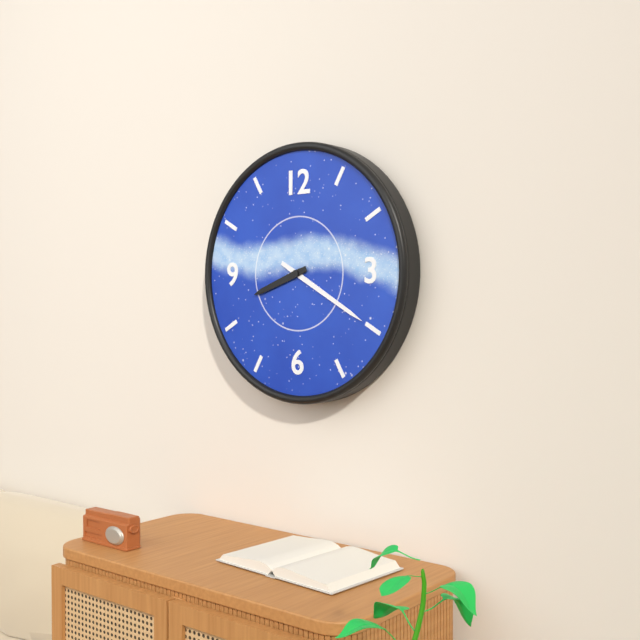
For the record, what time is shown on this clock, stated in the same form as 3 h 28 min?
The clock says 8 h 20 min
